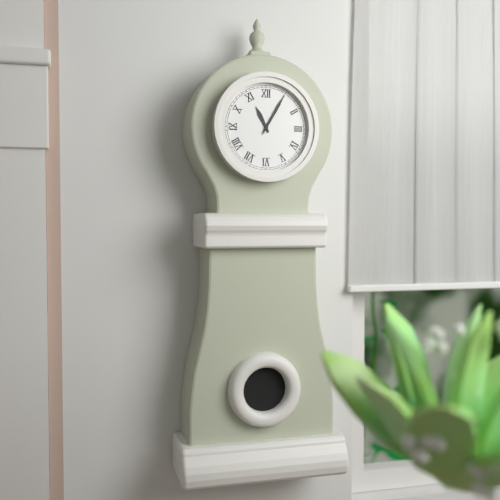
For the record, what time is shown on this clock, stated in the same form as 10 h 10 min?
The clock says 11 h 05 min
